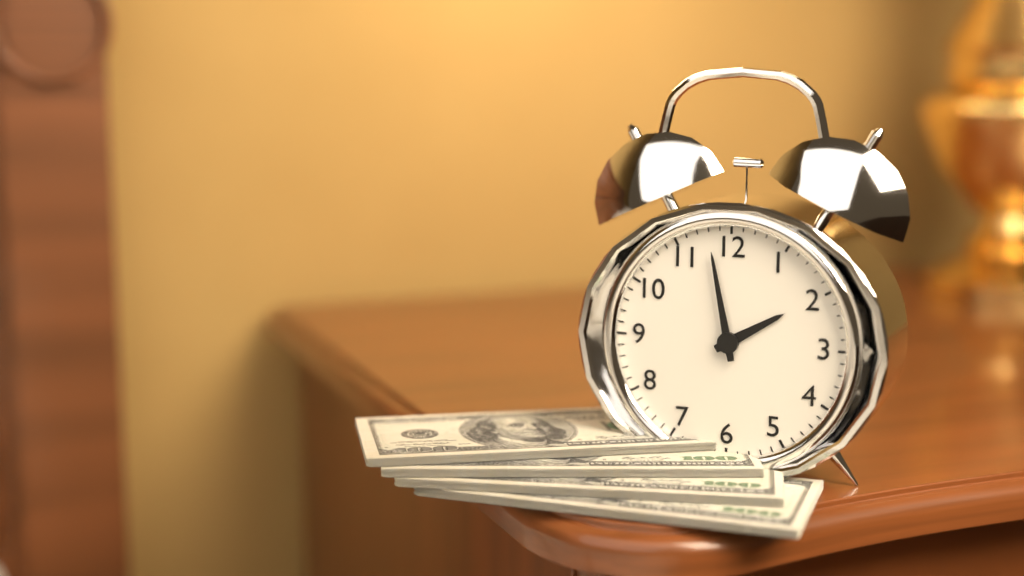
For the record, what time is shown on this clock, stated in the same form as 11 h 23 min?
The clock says 1 h 58 min
